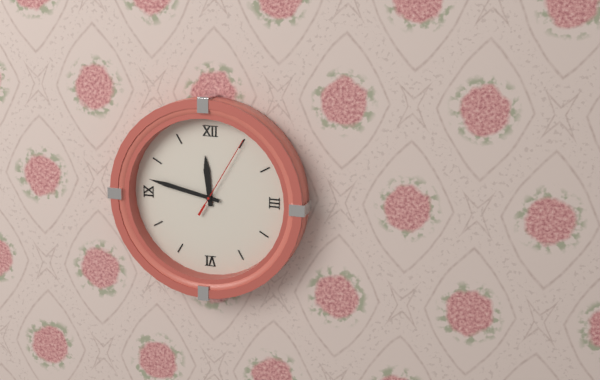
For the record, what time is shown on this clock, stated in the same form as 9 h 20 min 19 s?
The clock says 11 h 47 min 05 s
